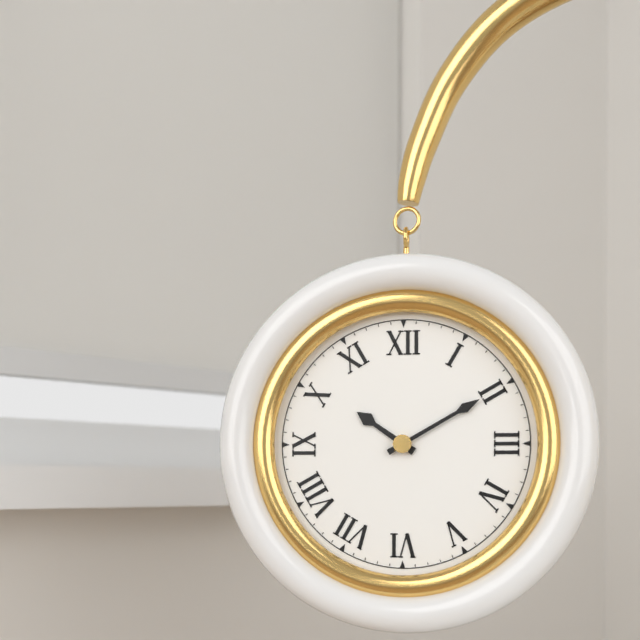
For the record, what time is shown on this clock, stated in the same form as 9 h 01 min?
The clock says 10 h 10 min
